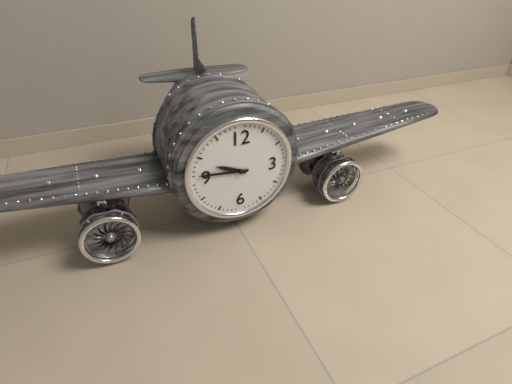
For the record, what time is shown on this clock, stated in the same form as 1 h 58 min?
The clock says 9 h 46 min
